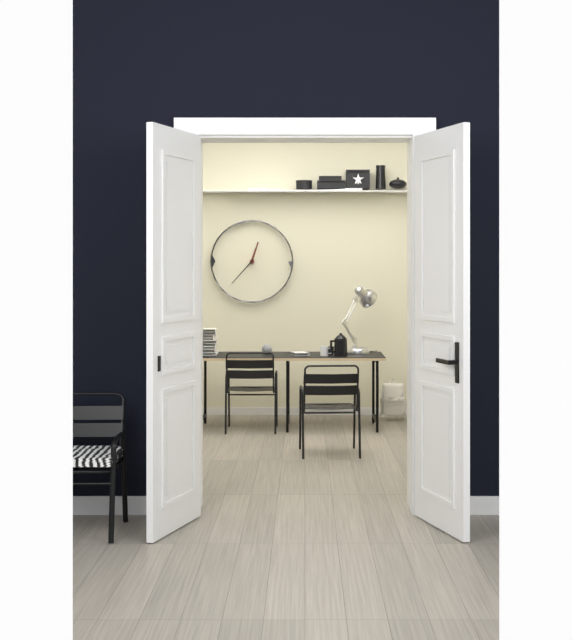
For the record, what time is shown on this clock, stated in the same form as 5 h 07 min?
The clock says 12 h 37 min
